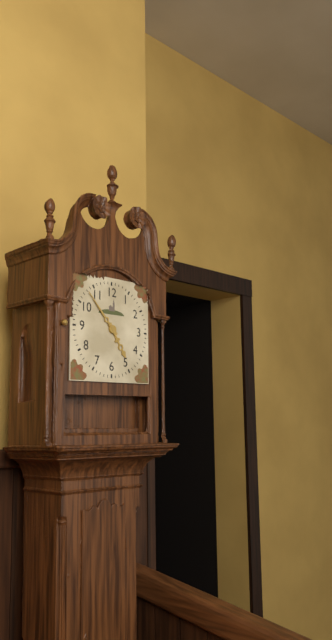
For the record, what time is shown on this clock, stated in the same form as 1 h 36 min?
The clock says 4 h 53 min
